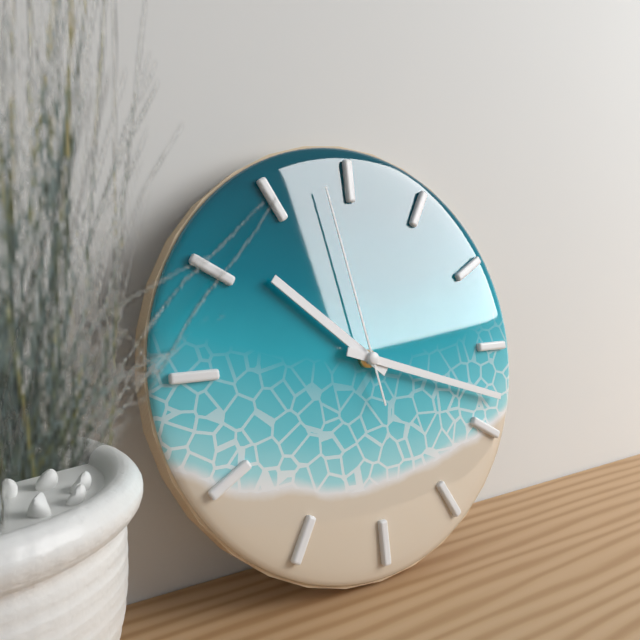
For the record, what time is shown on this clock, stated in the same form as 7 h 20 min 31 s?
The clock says 10 h 18 min 58 s
